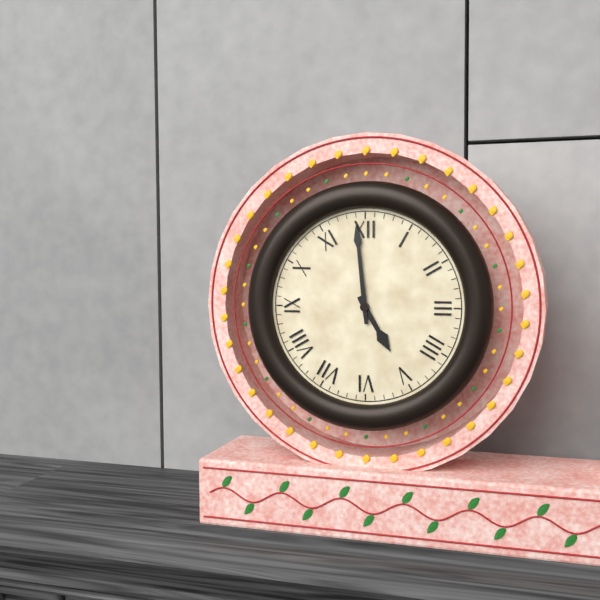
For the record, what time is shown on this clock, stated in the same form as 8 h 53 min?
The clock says 4 h 59 min
